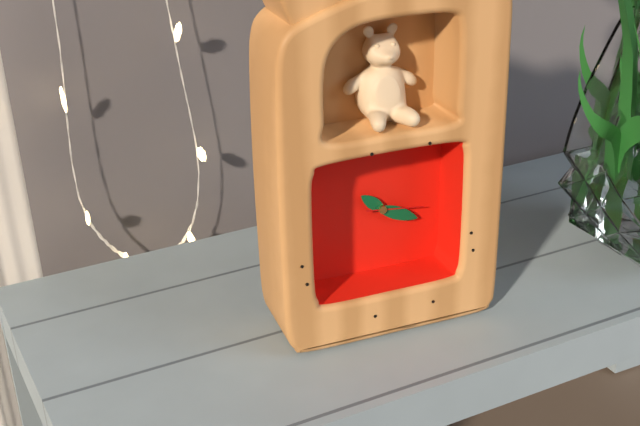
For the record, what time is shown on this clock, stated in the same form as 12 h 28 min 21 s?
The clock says 10 h 19 min 16 s
